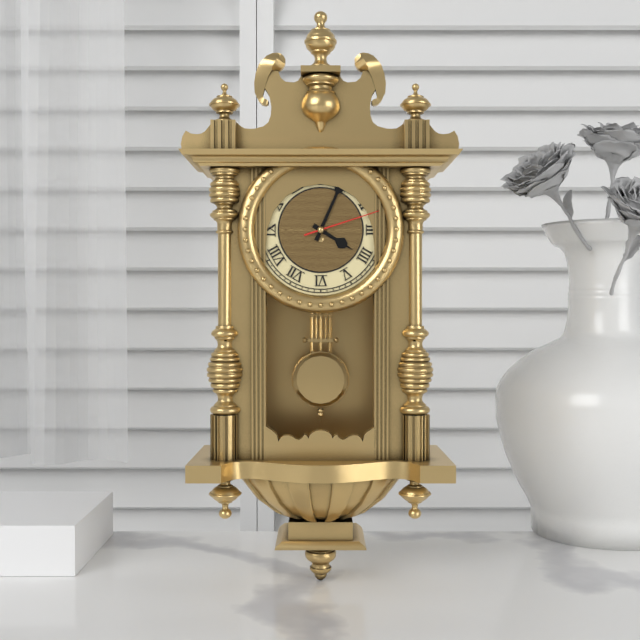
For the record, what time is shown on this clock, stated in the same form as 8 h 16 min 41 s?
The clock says 4 h 04 min 12 s
